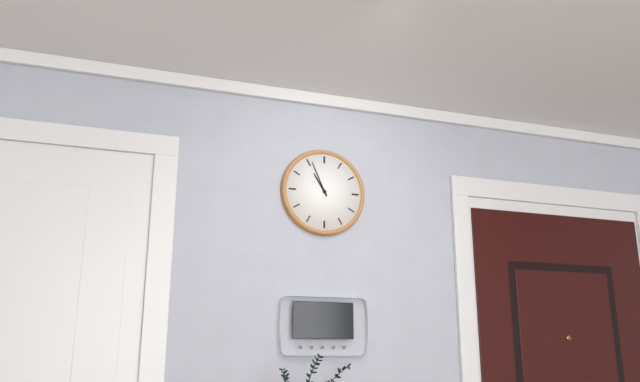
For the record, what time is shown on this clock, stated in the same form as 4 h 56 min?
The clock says 10 h 56 min
